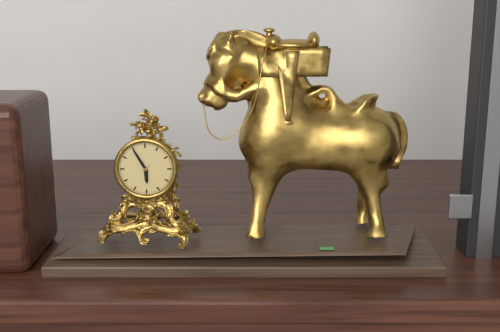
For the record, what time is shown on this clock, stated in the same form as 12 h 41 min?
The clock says 5 h 55 min
